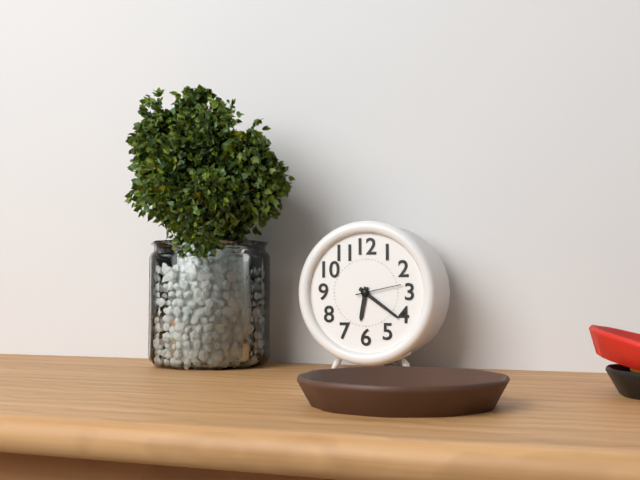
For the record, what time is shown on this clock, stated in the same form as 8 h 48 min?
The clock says 6 h 21 min
